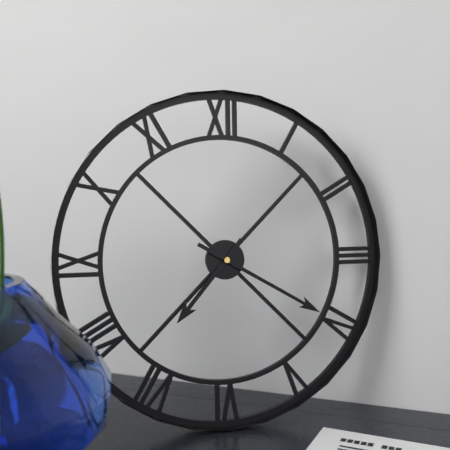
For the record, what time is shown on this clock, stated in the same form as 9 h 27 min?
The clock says 7 h 20 min
